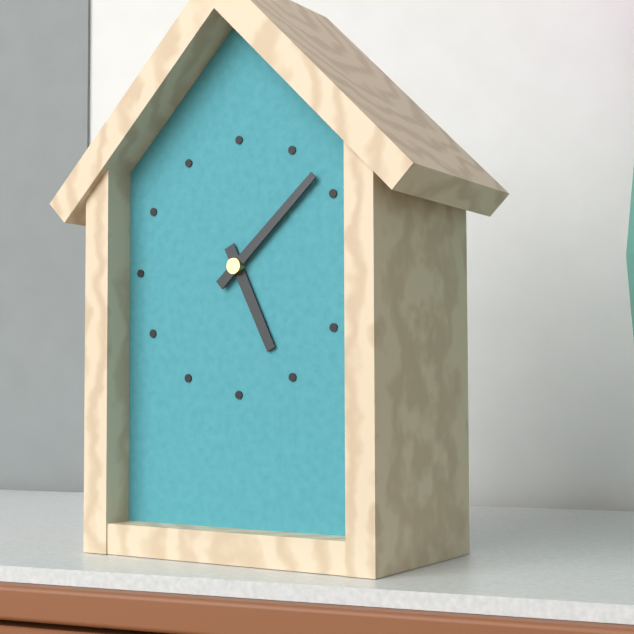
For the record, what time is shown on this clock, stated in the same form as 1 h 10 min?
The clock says 5 h 08 min
